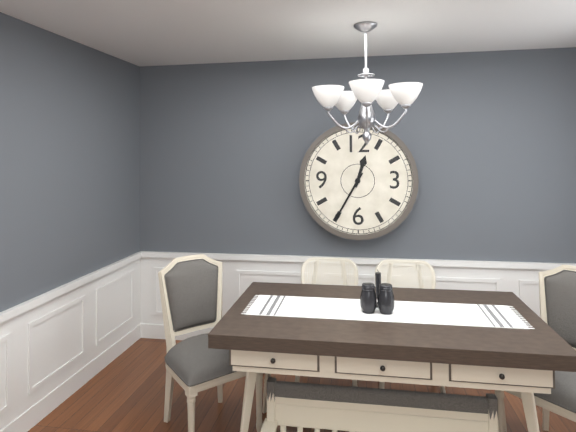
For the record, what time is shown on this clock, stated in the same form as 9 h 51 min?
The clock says 12 h 35 min
